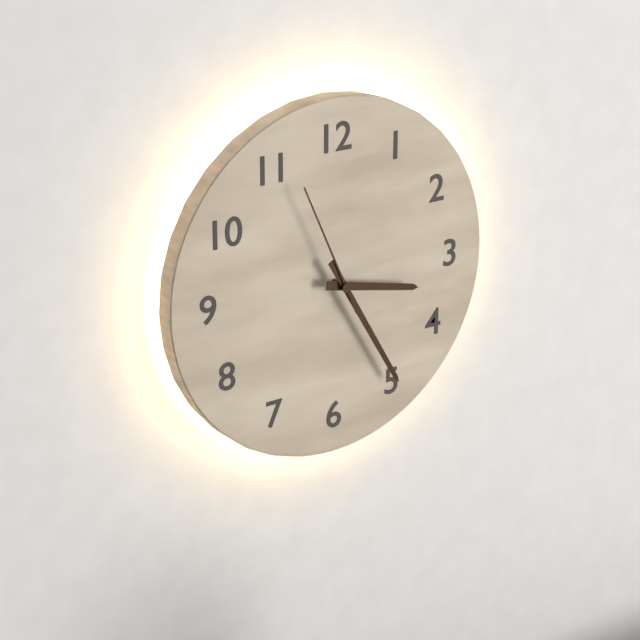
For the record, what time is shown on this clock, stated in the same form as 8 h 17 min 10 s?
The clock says 3 h 25 min 56 s
